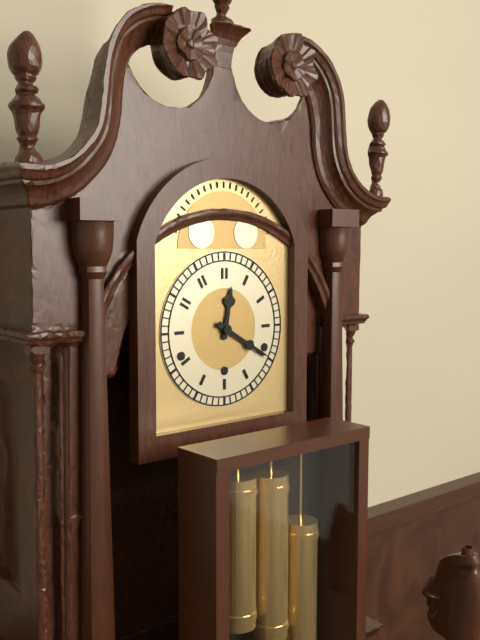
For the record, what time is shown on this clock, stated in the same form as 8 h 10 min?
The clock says 12 h 20 min
